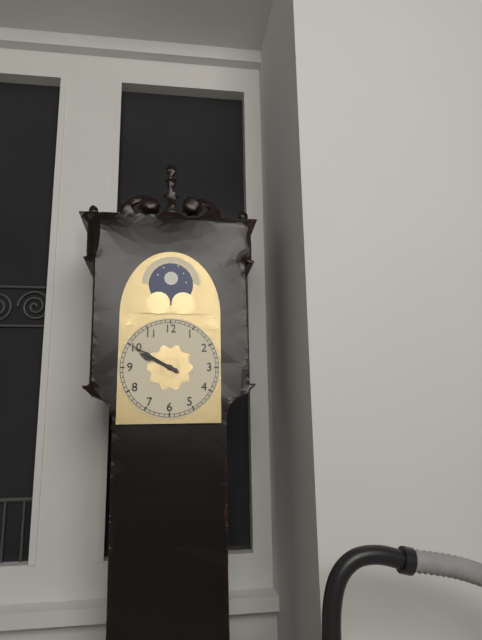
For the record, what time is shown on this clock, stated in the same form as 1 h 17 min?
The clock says 9 h 50 min
